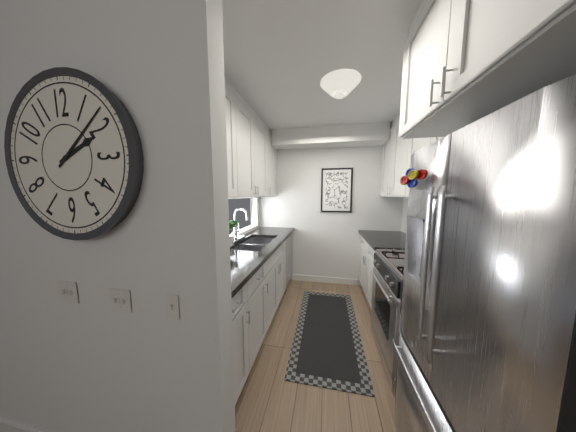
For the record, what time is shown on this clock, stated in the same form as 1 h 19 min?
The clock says 2 h 08 min
